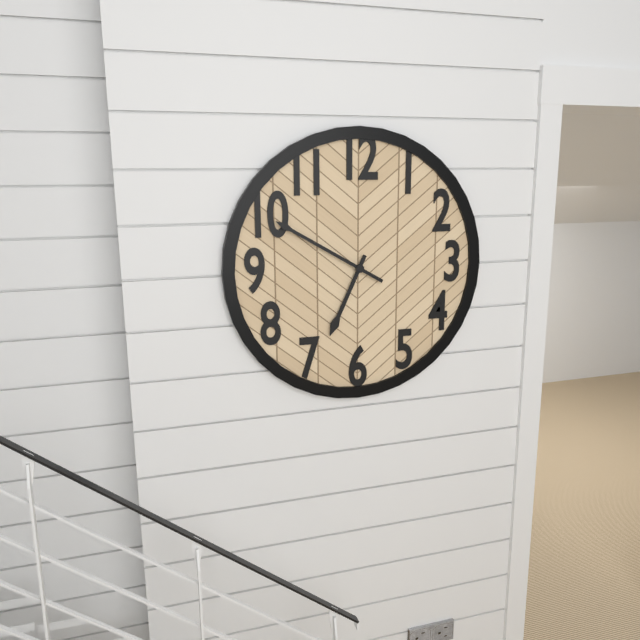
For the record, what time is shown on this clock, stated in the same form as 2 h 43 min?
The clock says 6 h 50 min
